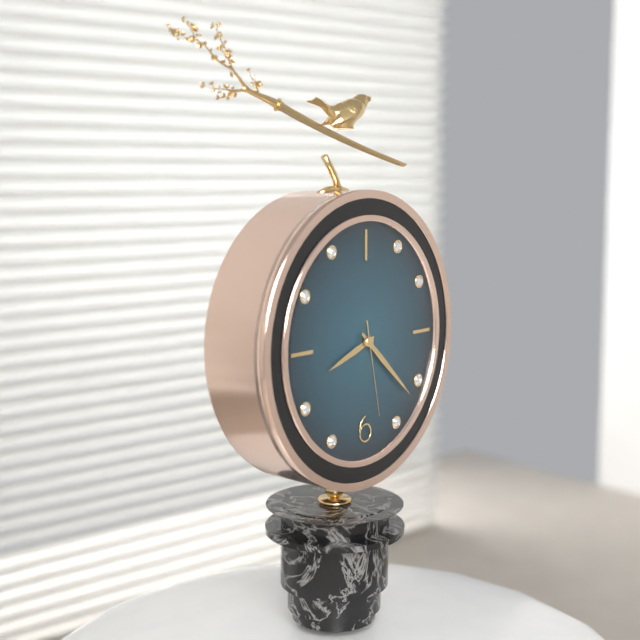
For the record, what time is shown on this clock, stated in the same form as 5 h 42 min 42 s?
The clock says 8 h 22 min 28 s
